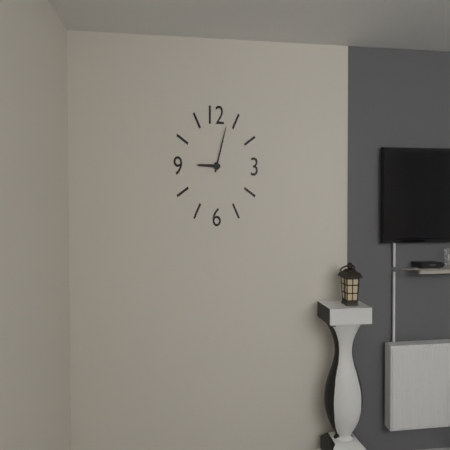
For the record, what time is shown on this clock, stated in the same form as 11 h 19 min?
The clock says 9 h 03 min
